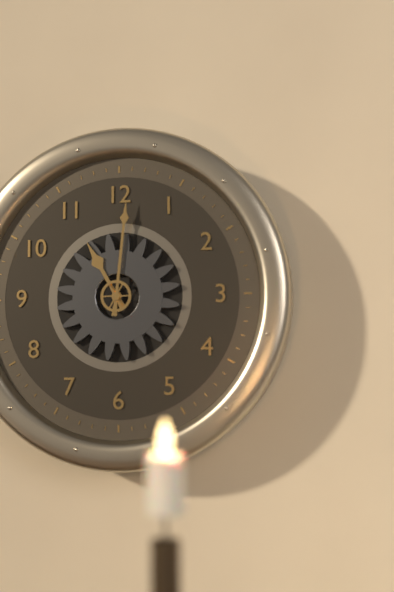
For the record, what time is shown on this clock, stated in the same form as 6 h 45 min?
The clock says 11 h 01 min
